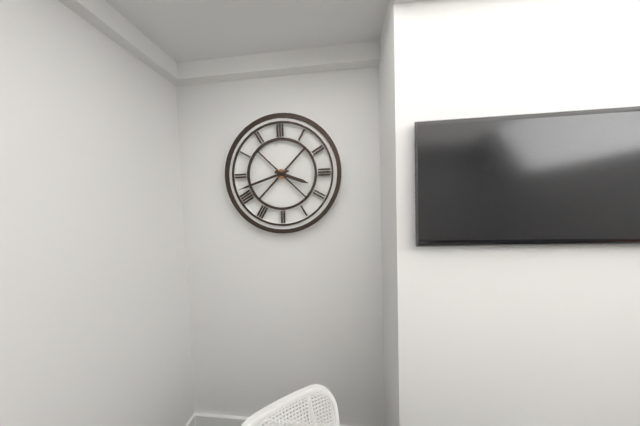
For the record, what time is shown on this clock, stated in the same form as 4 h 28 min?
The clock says 3 h 42 min
